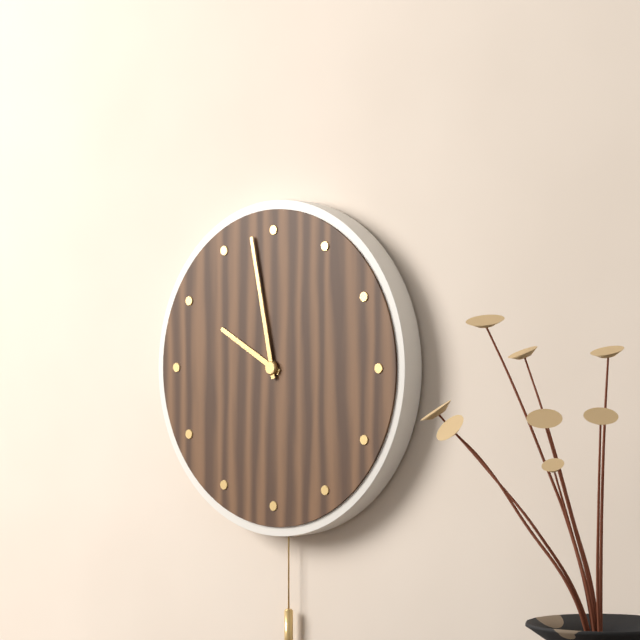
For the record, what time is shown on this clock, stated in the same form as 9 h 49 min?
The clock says 9 h 58 min
